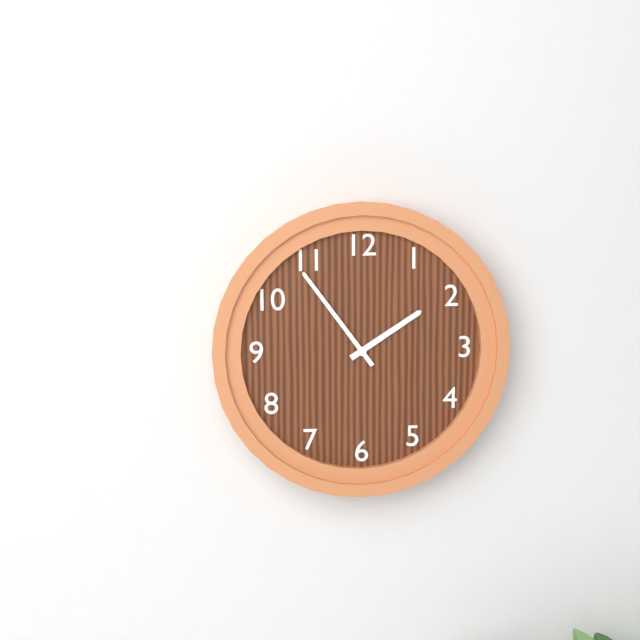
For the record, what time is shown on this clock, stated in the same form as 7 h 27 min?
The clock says 1 h 54 min
